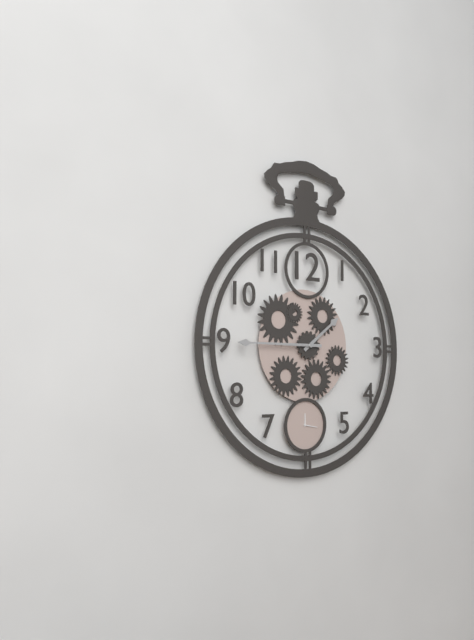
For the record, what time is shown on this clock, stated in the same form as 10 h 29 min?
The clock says 1 h 45 min
